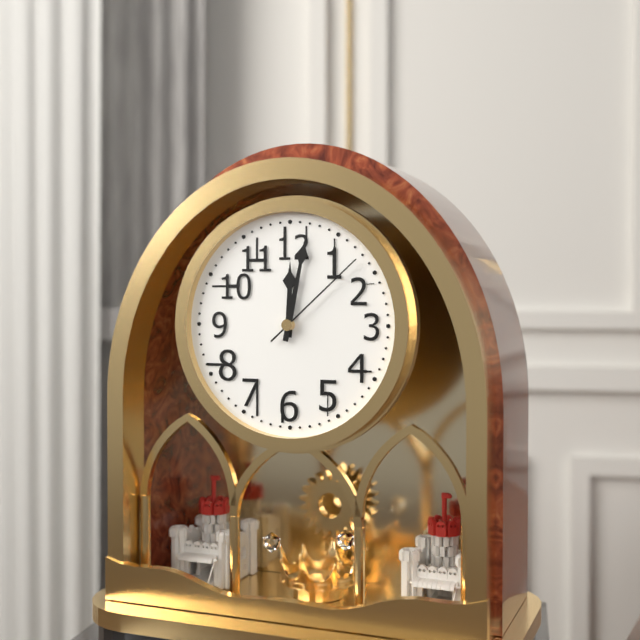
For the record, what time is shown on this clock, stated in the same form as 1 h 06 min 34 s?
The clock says 12 h 02 min 08 s
